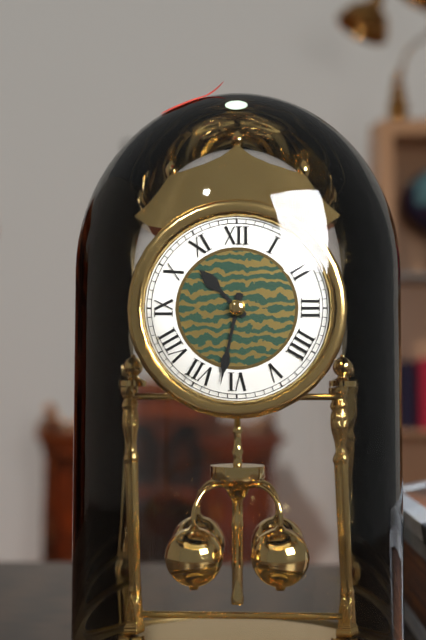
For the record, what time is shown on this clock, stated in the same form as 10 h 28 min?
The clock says 10 h 32 min
